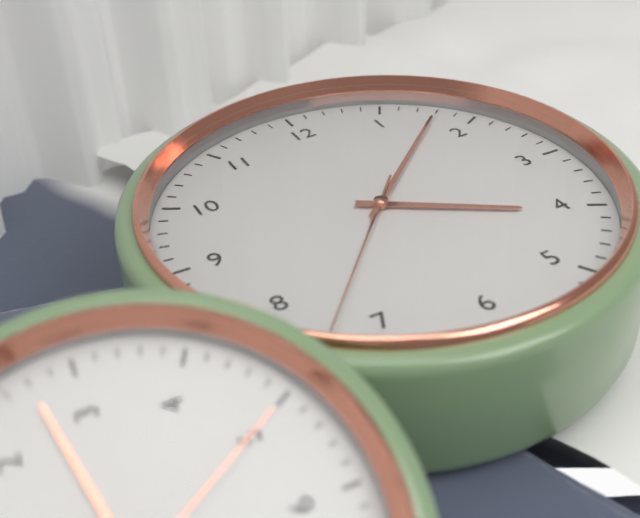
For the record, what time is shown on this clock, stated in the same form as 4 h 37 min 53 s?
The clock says 4 h 08 min 37 s
